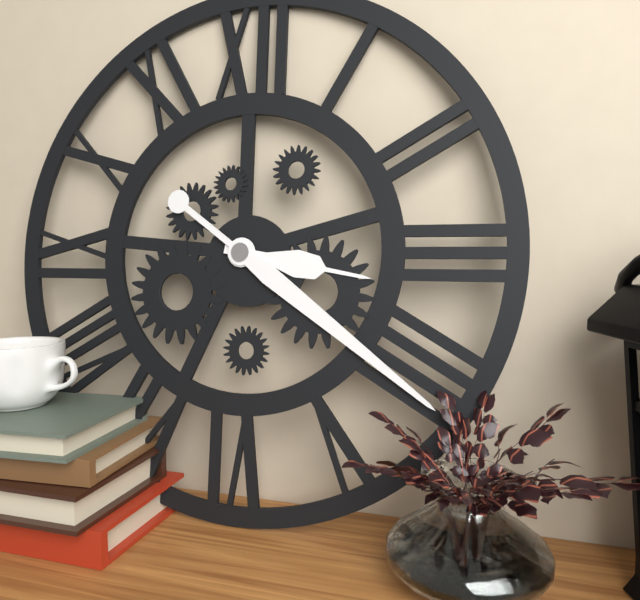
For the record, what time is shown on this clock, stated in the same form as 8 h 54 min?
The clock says 3 h 21 min
